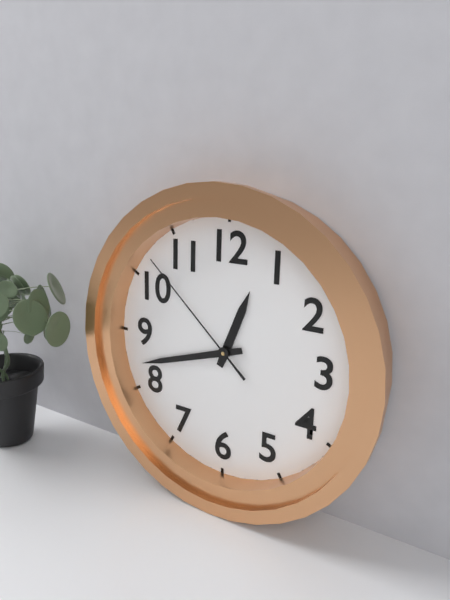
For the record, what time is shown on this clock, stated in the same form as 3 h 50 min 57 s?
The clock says 12 h 42 min 52 s
